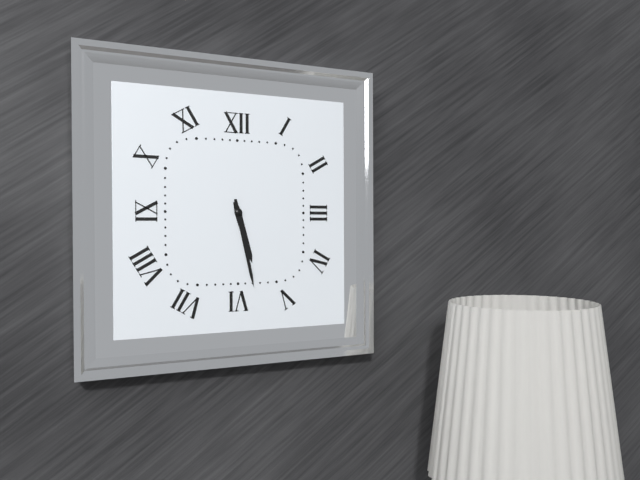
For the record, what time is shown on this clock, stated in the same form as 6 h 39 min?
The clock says 5 h 28 min
